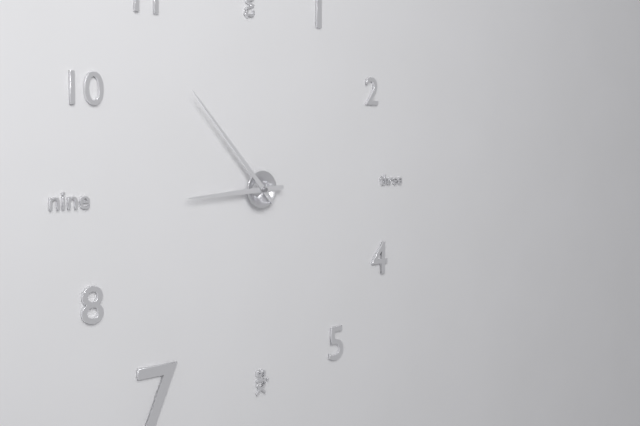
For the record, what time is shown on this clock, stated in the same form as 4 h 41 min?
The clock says 8 h 53 min
